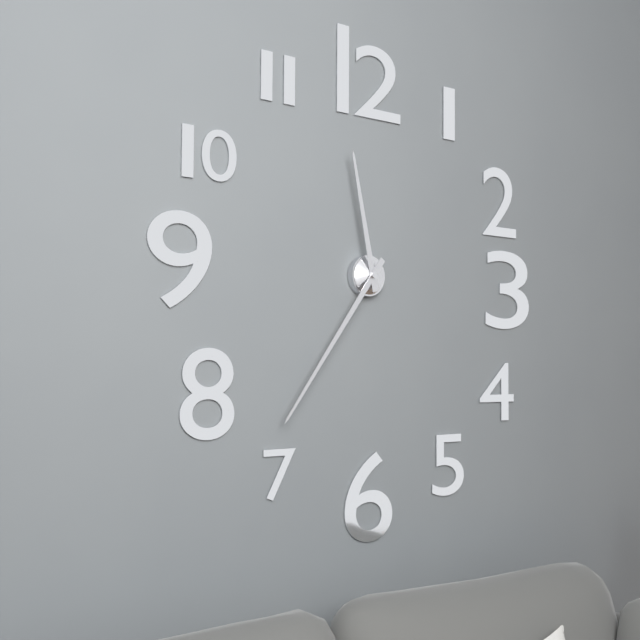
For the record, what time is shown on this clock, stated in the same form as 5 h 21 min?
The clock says 11 h 36 min
